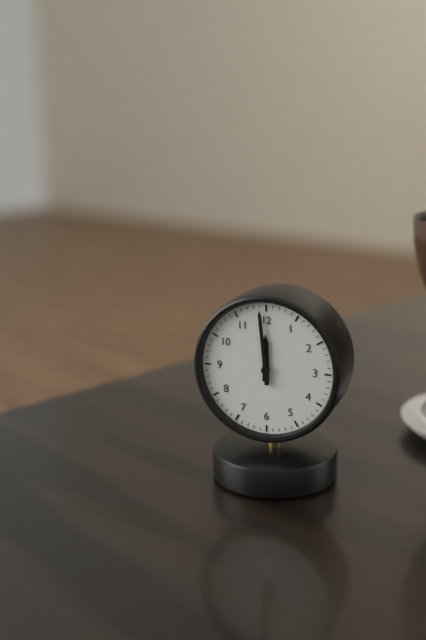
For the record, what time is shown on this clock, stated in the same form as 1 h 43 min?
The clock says 11 h 59 min
